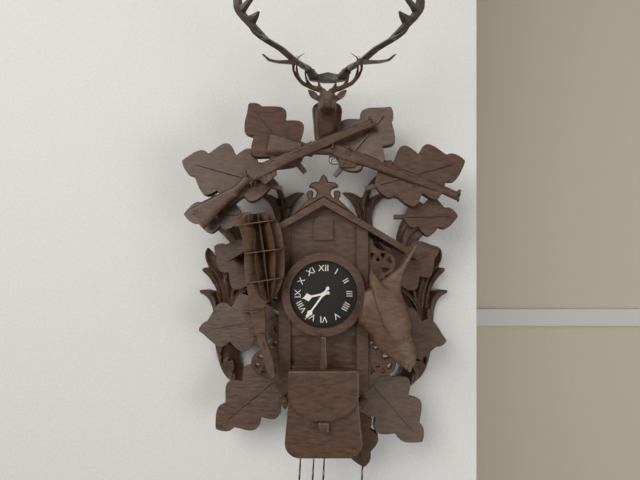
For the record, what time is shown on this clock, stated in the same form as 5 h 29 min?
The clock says 8 h 36 min
